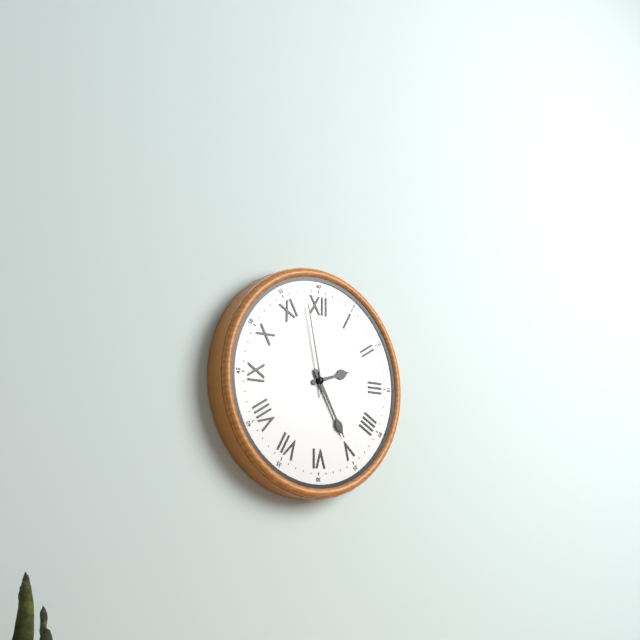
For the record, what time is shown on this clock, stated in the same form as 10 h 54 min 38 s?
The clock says 2 h 25 min 58 s
